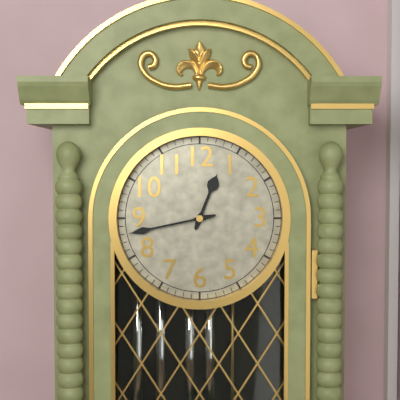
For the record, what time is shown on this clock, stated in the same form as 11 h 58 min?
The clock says 12 h 43 min
